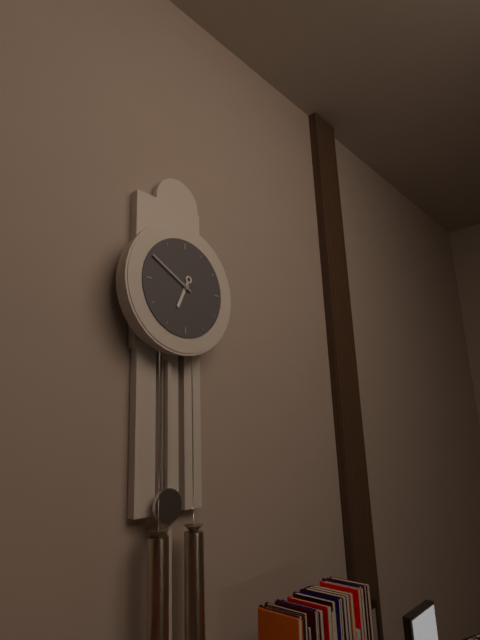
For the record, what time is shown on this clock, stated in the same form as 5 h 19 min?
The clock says 6 h 50 min
